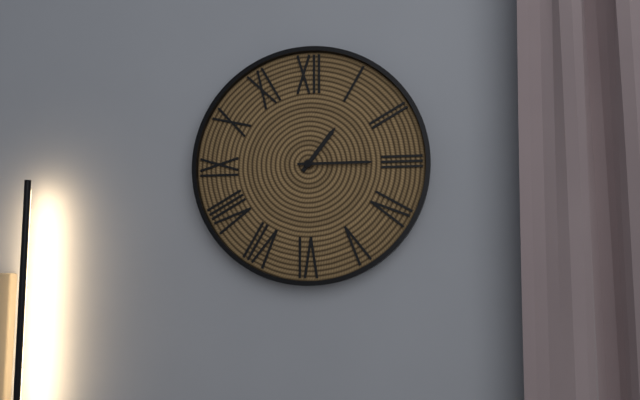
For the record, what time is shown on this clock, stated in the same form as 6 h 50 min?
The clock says 1 h 15 min
